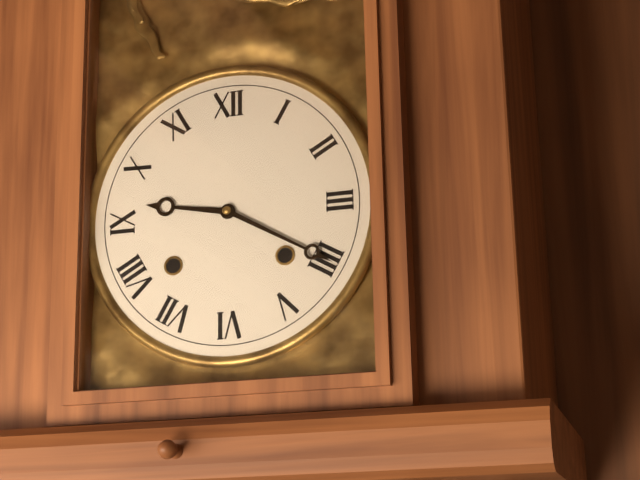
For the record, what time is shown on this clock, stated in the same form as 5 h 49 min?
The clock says 9 h 20 min
